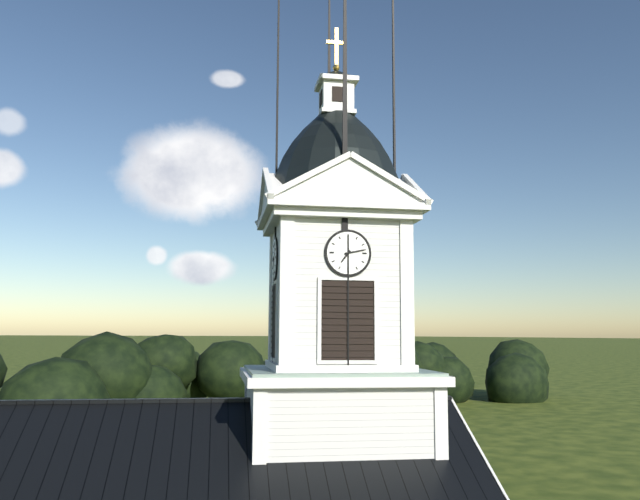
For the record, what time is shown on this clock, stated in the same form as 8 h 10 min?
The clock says 7 h 13 min
